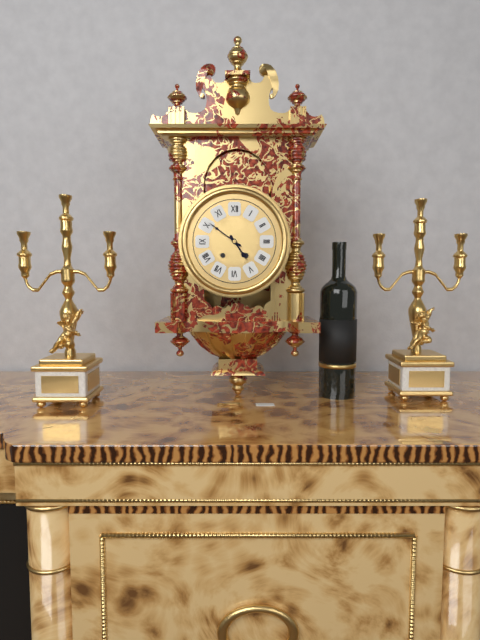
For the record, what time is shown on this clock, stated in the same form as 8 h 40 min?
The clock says 4 h 51 min
